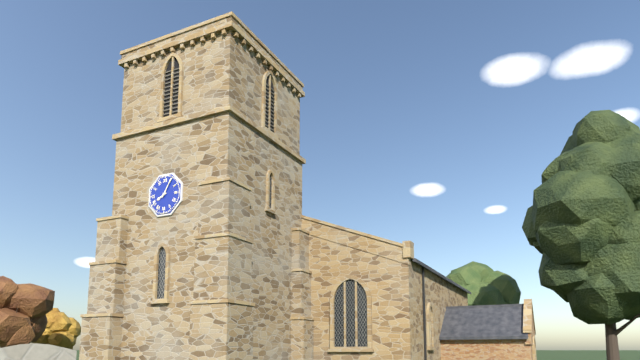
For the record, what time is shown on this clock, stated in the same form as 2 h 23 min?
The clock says 8 h 05 min
